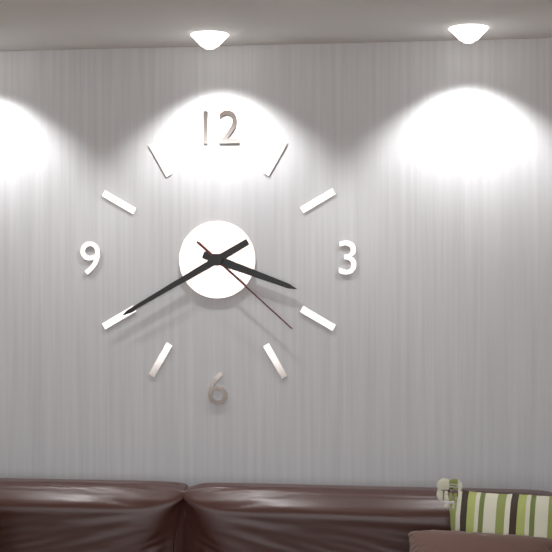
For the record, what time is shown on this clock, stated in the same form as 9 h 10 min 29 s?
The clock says 3 h 40 min 22 s
